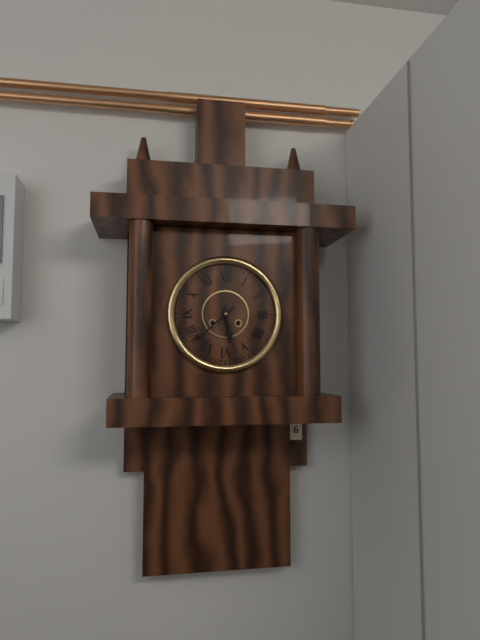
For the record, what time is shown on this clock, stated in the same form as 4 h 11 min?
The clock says 5 h 38 min
